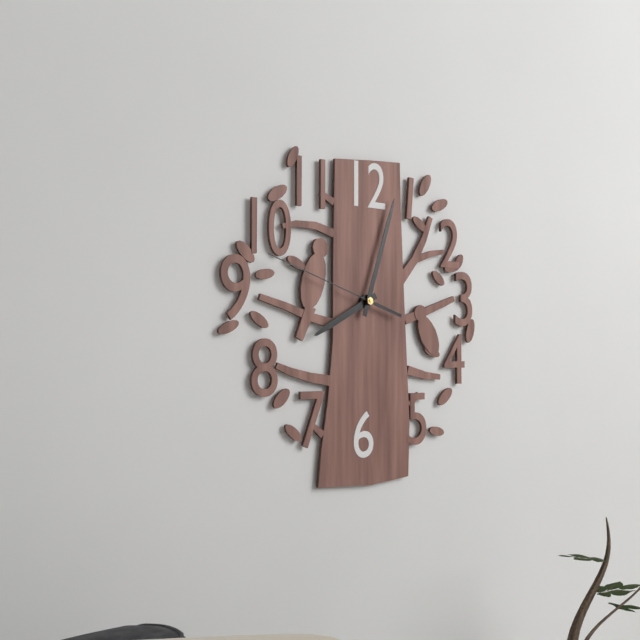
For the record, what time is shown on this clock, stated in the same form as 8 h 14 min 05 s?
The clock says 8 h 03 min 48 s
